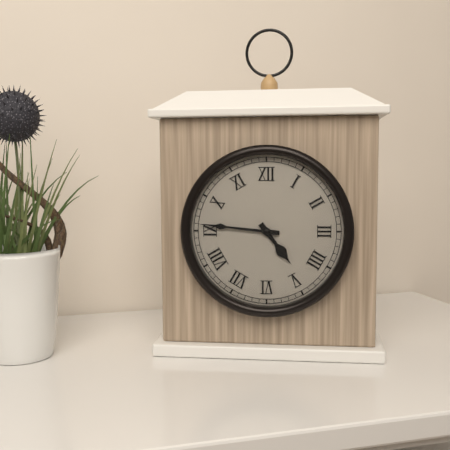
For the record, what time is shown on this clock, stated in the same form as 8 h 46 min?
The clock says 4 h 46 min
